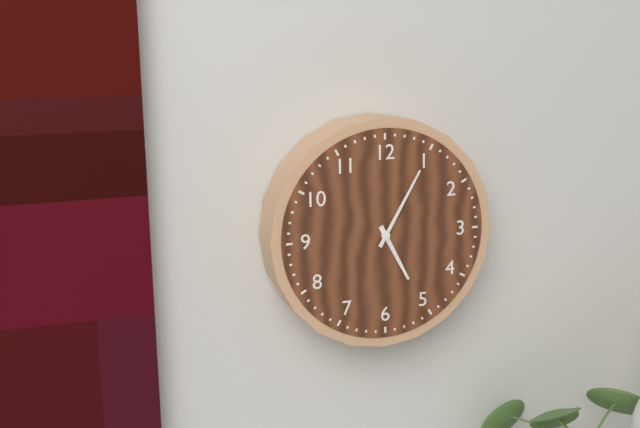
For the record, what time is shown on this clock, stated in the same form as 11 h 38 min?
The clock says 5 h 05 min
